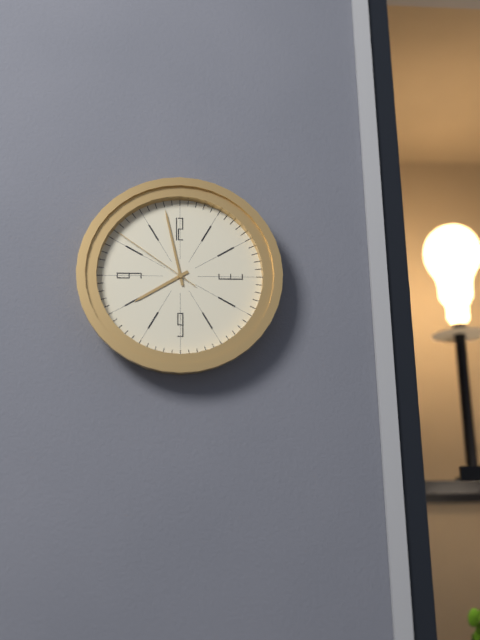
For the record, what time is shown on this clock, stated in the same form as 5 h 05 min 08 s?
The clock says 7 h 58 min 51 s
